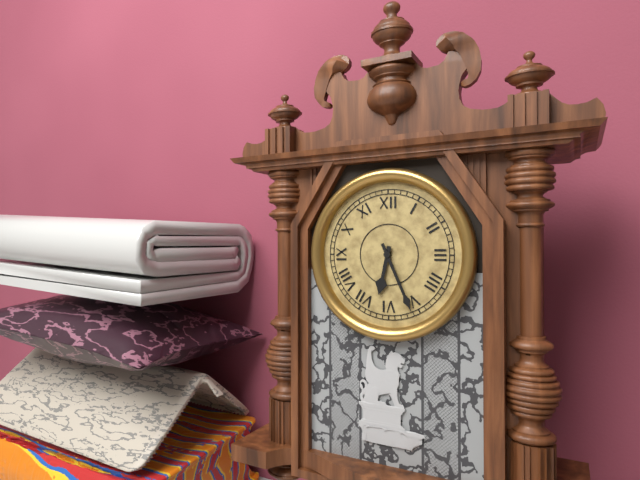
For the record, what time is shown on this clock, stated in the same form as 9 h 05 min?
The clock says 6 h 26 min
